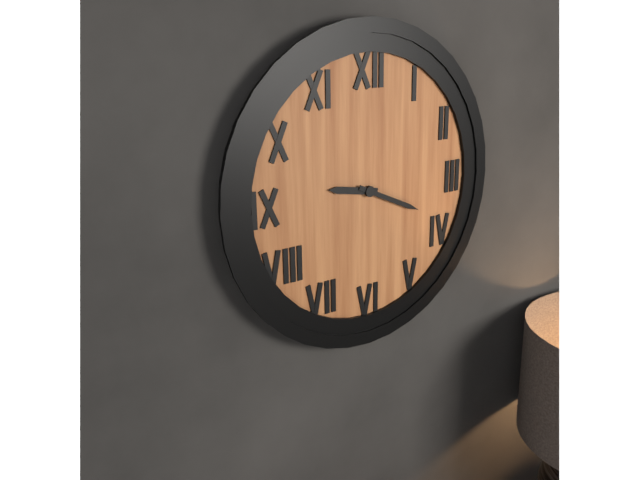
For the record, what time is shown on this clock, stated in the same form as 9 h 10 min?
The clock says 9 h 19 min
